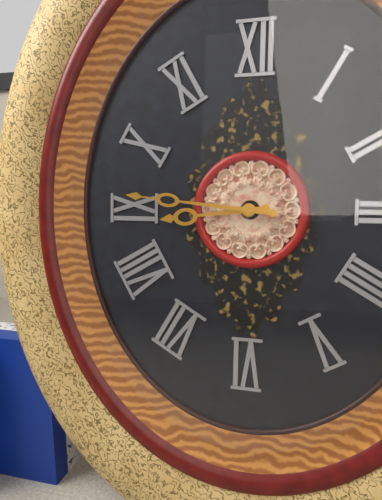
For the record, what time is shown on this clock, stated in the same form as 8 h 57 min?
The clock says 8 h 46 min
